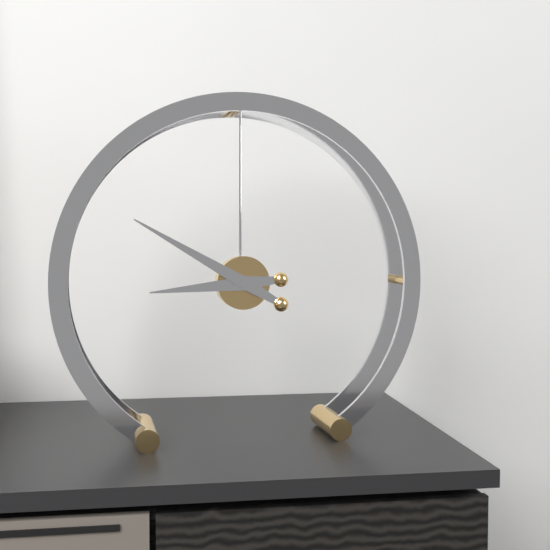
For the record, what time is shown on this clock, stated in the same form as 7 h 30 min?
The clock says 8 h 50 min
